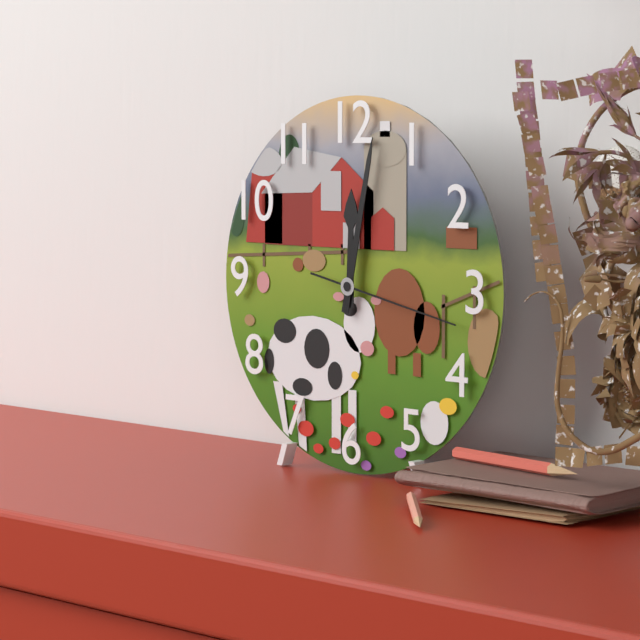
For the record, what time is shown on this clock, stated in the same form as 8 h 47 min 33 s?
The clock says 12 h 02 min 17 s
